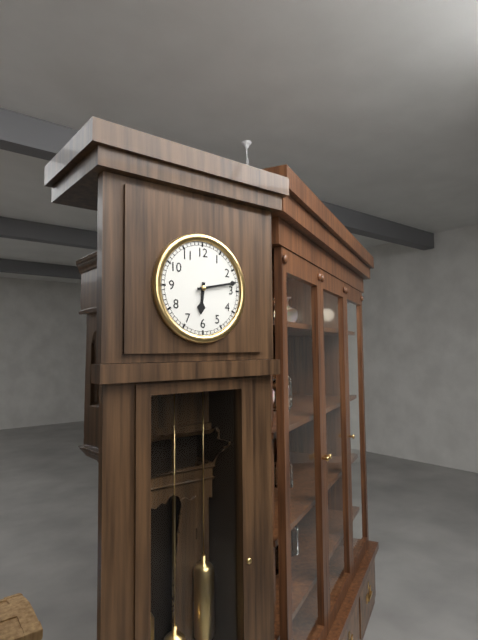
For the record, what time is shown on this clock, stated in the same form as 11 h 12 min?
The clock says 6 h 13 min
